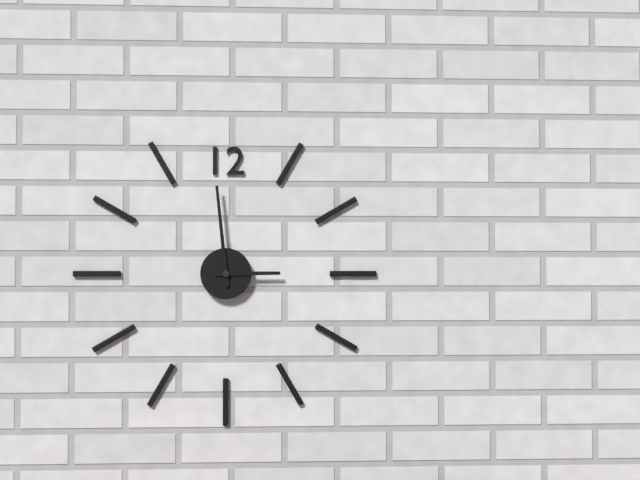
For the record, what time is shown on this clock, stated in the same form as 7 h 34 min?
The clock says 2 h 59 min
